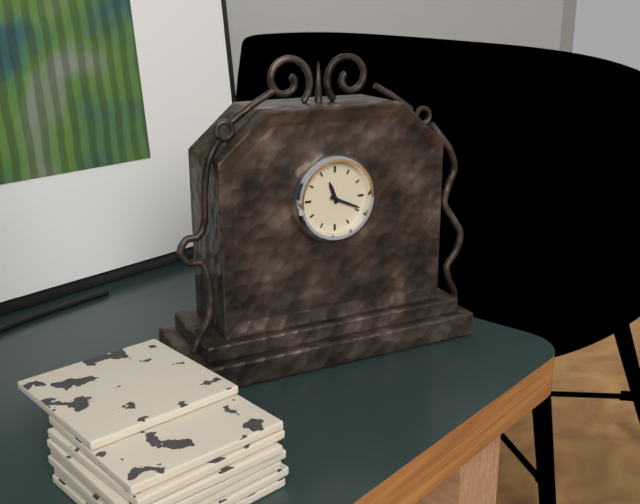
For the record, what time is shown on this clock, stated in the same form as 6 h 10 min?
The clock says 11 h 19 min
